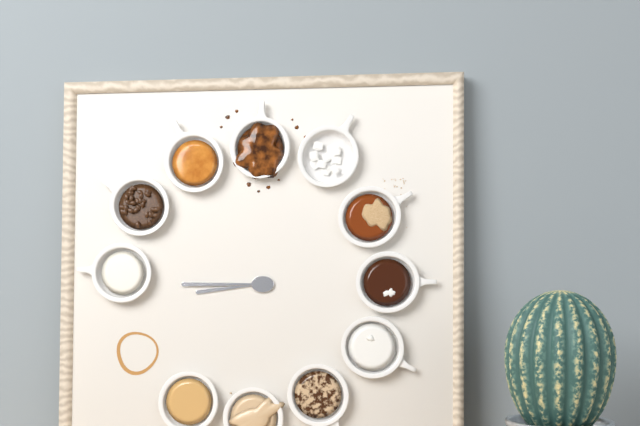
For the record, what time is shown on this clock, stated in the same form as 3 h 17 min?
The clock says 8 h 45 min
